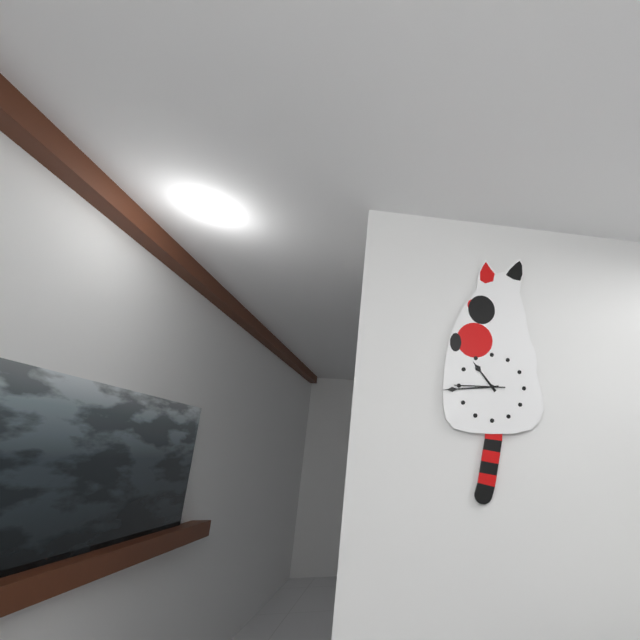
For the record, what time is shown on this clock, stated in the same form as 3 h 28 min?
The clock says 10 h 44 min
